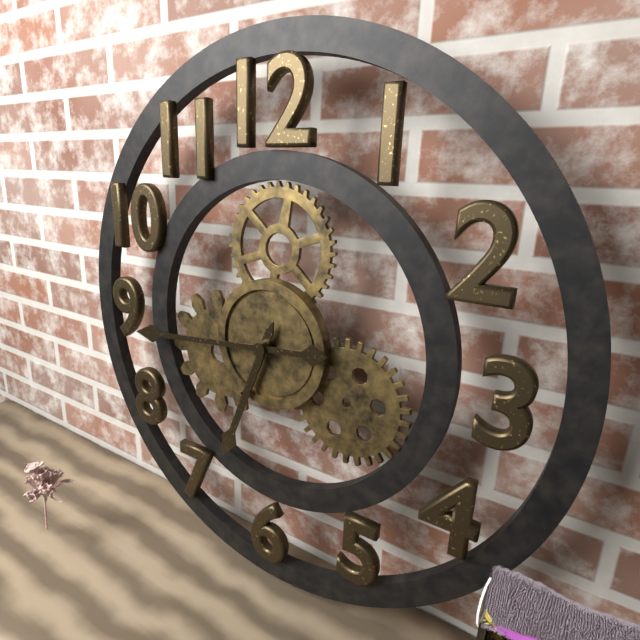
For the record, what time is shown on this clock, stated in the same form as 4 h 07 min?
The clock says 6 h 44 min
